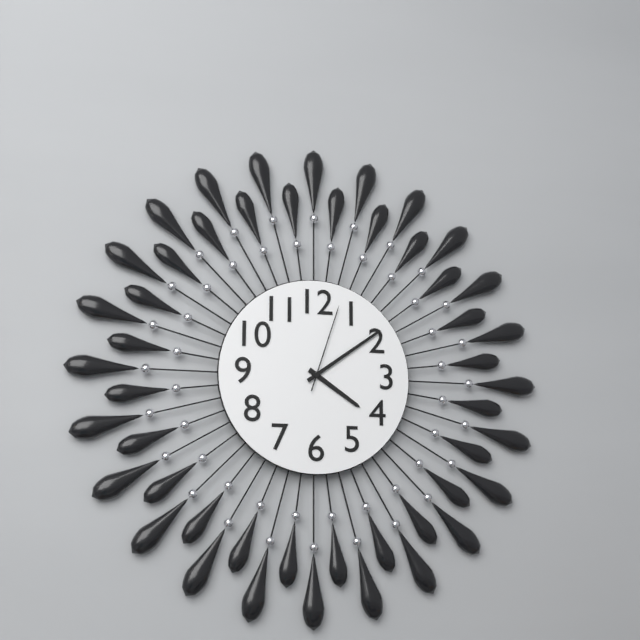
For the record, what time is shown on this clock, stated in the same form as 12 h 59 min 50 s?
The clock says 4 h 09 min 03 s
